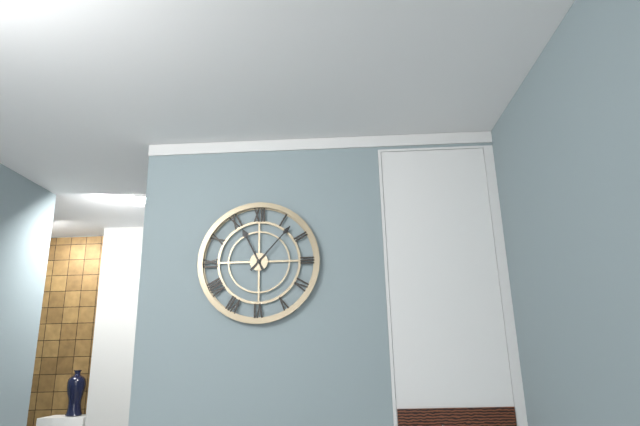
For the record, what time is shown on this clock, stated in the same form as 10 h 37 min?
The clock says 11 h 07 min
